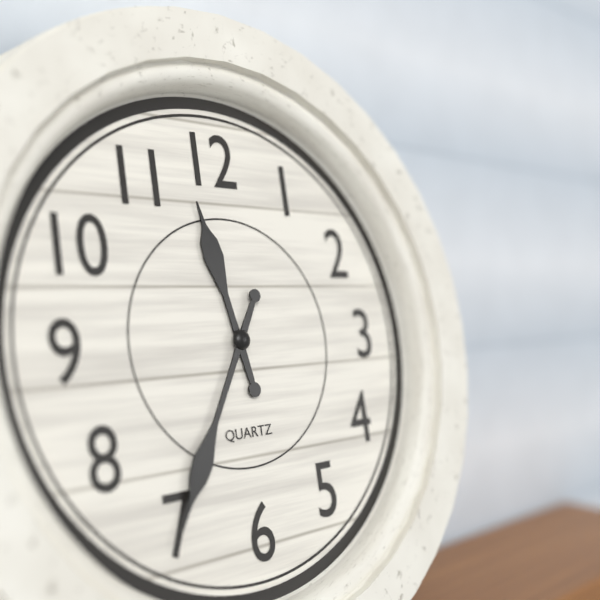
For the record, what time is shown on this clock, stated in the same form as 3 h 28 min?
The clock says 11 h 35 min
